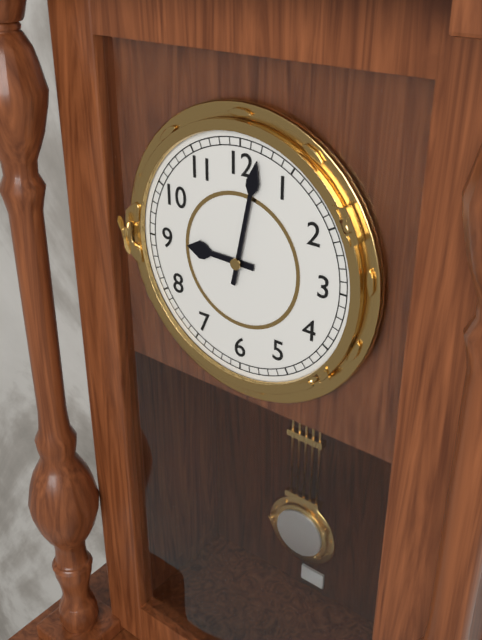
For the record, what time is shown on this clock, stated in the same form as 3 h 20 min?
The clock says 9 h 02 min
